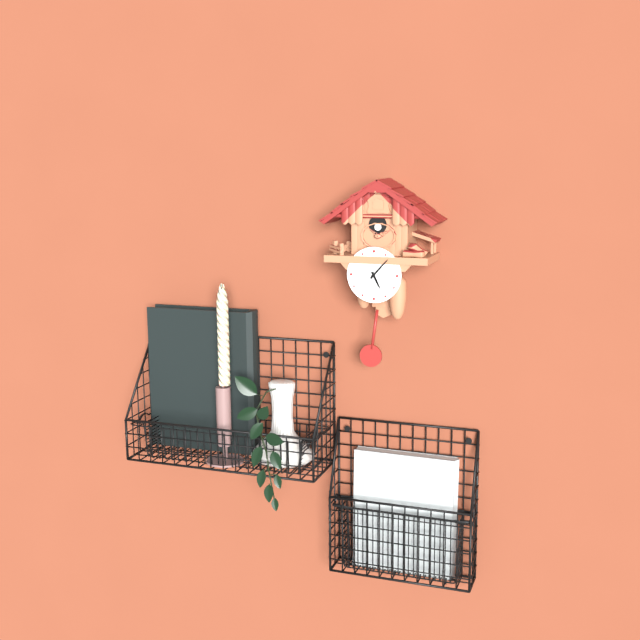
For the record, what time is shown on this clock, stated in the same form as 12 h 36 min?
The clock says 5 h 07 min
